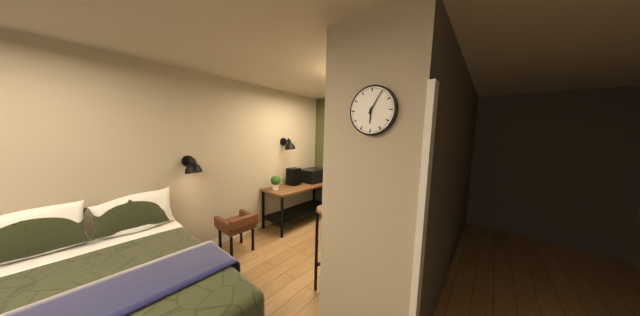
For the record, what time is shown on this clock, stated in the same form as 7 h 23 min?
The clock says 6 h 05 min
